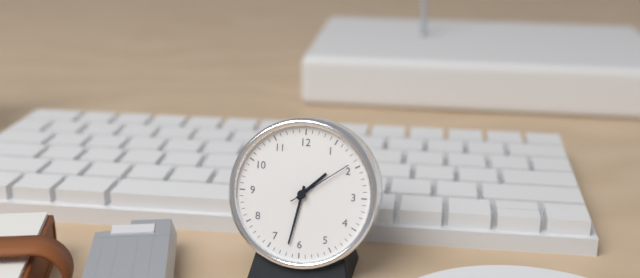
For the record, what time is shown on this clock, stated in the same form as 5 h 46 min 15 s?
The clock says 1 h 32 min 09 s
